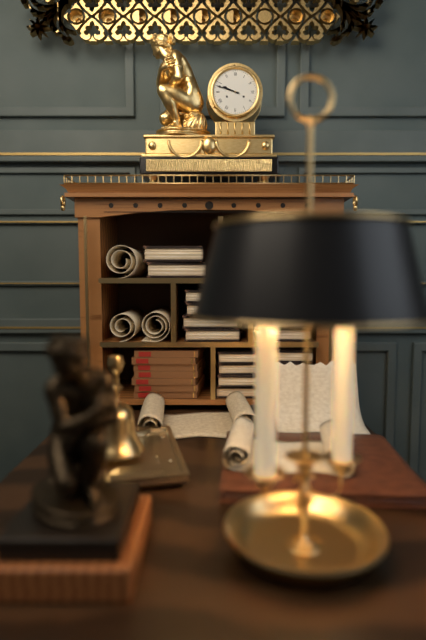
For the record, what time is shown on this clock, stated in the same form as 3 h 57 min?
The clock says 9 h 48 min
